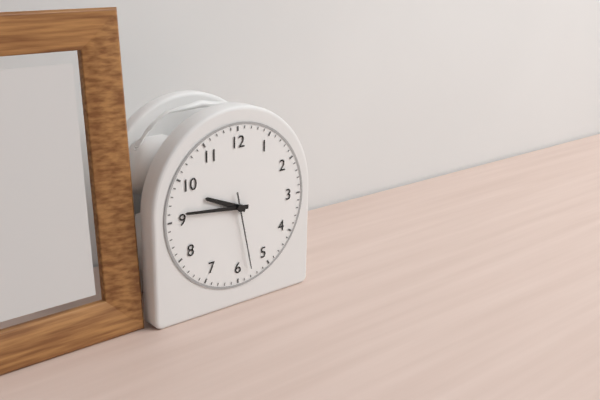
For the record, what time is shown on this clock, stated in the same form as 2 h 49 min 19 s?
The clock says 9 h 46 min 28 s
